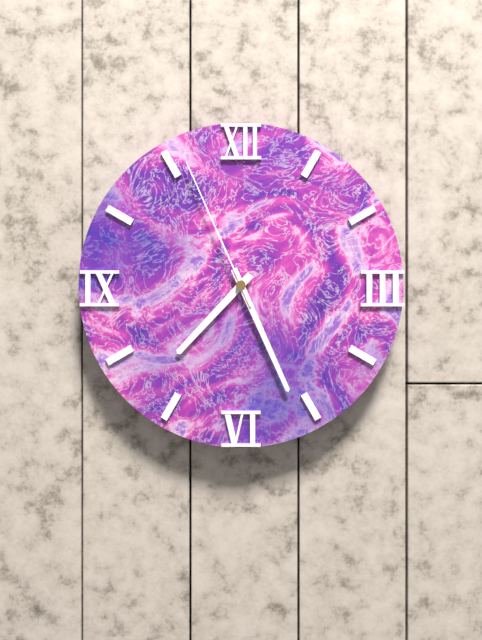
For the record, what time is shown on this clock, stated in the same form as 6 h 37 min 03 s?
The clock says 7 h 26 min 56 s
